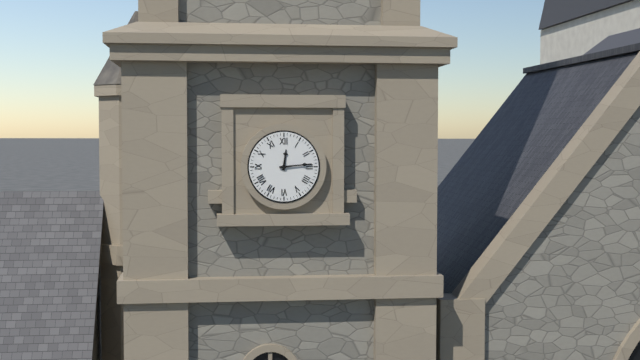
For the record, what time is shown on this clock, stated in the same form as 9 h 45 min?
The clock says 12 h 14 min
